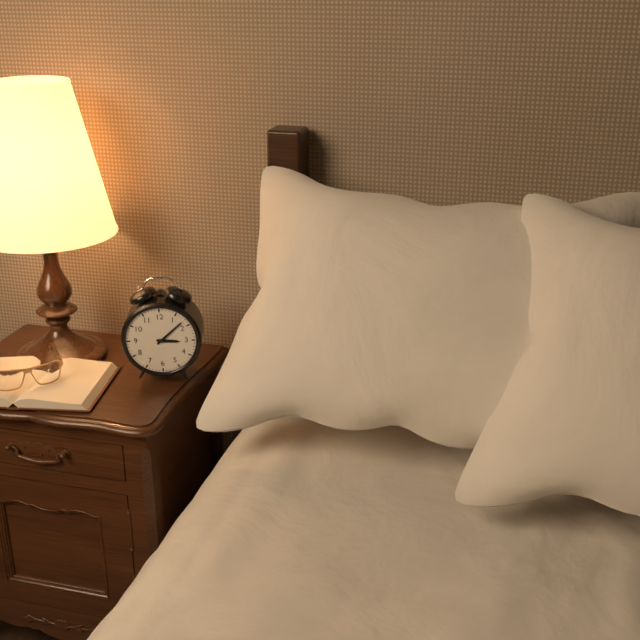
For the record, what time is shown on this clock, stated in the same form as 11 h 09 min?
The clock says 3 h 08 min
